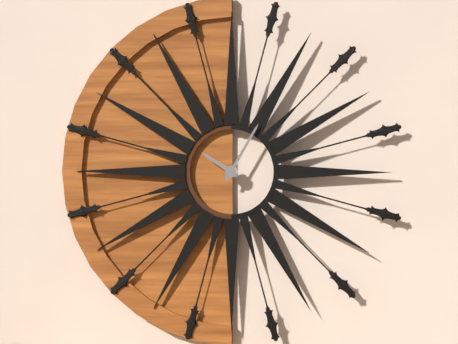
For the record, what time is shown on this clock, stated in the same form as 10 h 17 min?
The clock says 10 h 05 min
